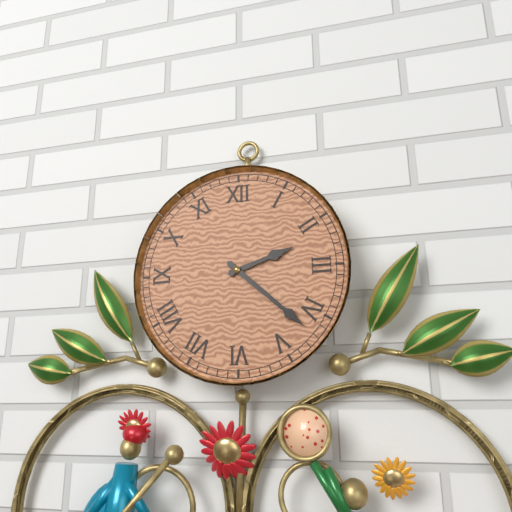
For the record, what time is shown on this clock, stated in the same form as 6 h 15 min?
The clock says 2 h 22 min
